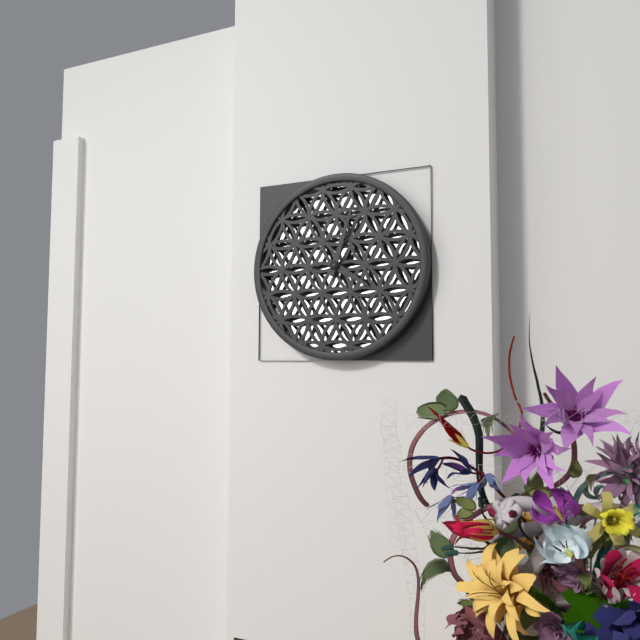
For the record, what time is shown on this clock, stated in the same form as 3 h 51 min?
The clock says 4 h 03 min
